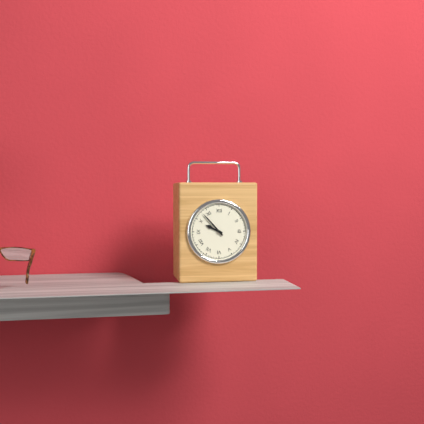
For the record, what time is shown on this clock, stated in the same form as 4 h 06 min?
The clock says 9 h 53 min
